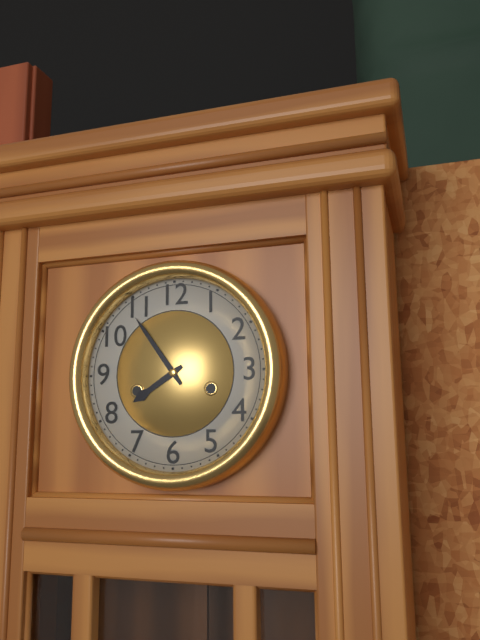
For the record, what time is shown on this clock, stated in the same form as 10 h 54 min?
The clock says 7 h 54 min
